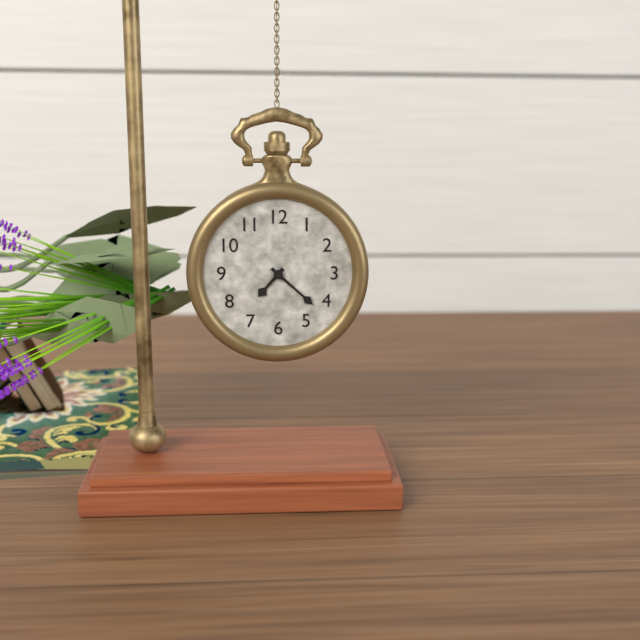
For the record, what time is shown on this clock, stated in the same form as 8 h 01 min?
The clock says 7 h 22 min
